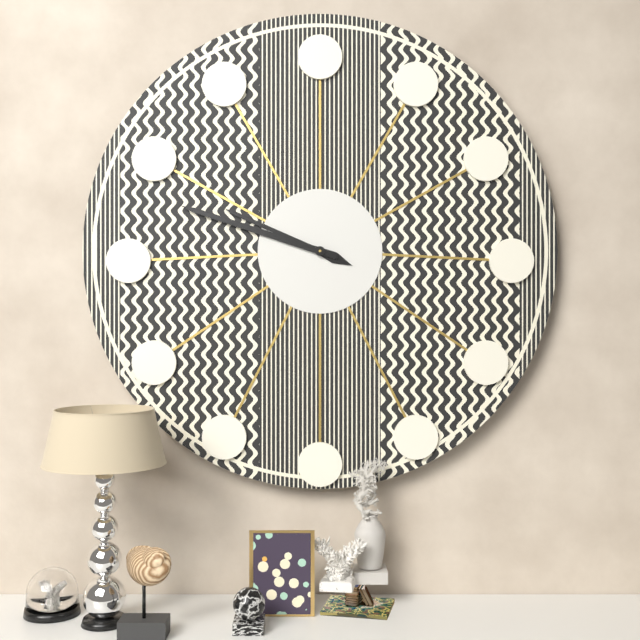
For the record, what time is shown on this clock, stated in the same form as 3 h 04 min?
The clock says 9 h 48 min
